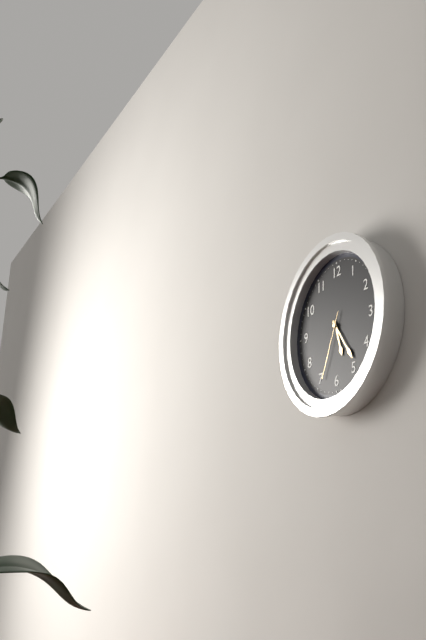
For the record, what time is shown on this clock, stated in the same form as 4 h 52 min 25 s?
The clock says 5 h 24 min 34 s
